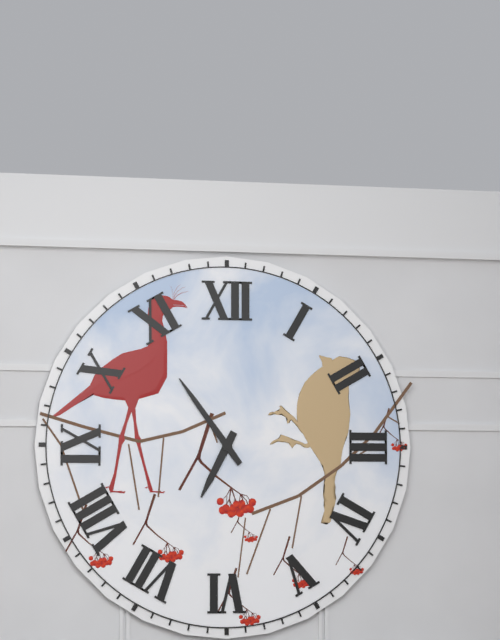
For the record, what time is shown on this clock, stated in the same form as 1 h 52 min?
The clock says 6 h 54 min
